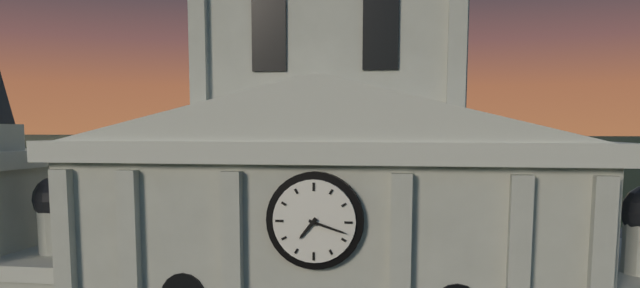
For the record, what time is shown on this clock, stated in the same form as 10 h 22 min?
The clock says 7 h 18 min
